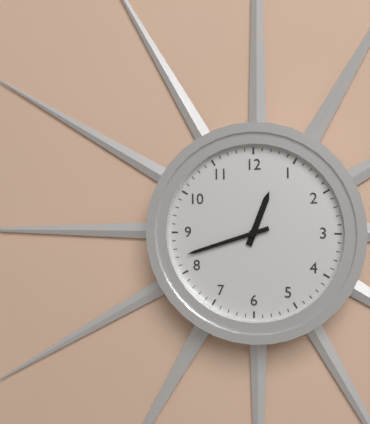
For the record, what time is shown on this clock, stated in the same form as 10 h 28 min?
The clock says 12 h 42 min
